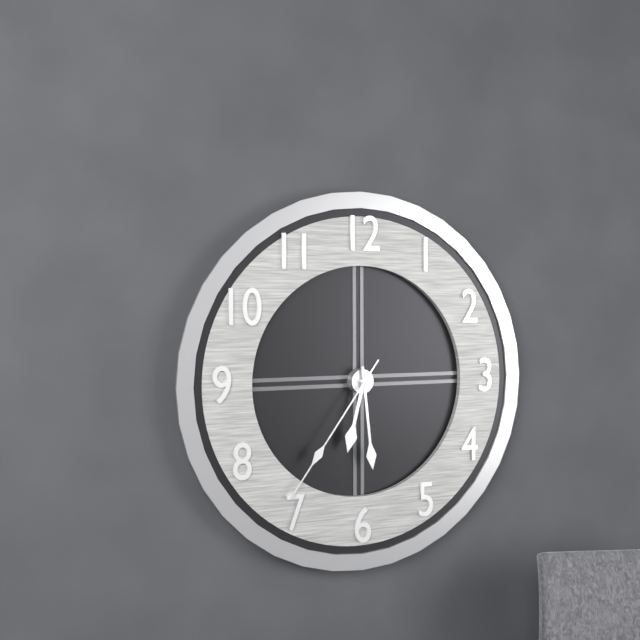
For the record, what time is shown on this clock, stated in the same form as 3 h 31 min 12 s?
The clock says 6 h 29 min 36 s
